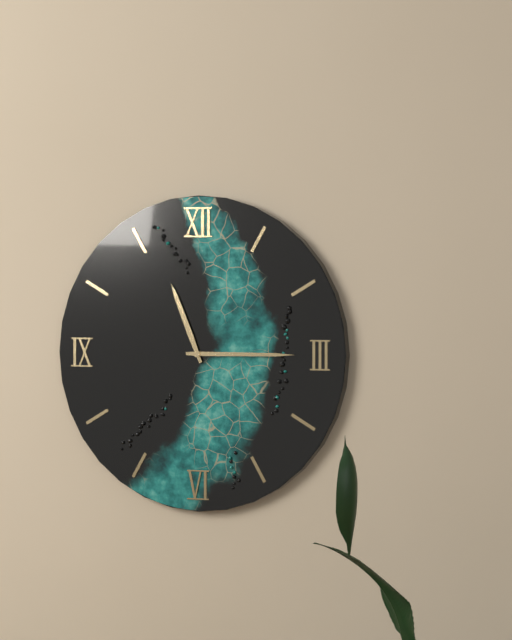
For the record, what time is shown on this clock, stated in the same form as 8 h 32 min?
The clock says 11 h 15 min
